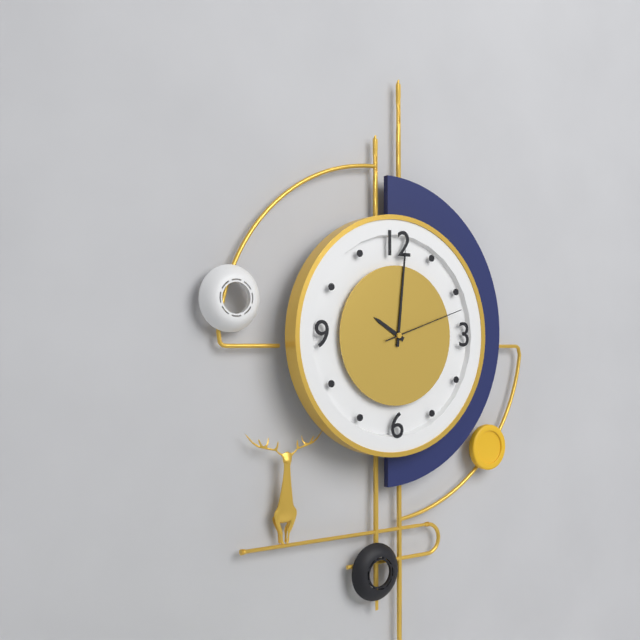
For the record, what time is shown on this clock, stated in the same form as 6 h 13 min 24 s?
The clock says 10 h 01 min 12 s
